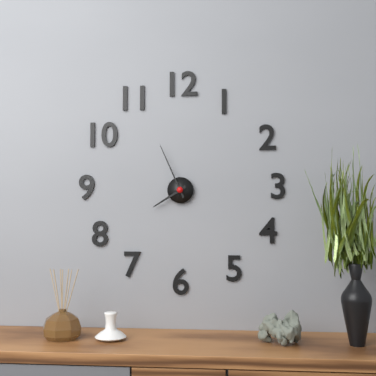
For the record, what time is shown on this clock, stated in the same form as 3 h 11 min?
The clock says 7 h 56 min
